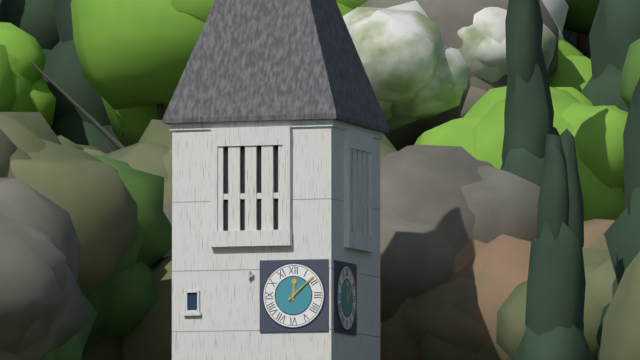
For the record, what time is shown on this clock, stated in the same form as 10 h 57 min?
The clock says 12 h 08 min
